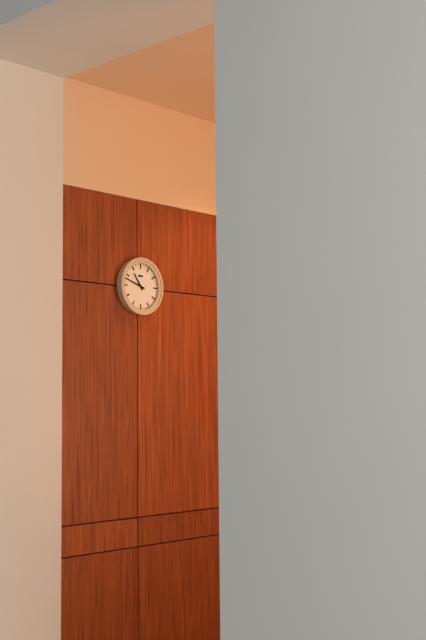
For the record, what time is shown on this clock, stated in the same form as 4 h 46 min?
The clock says 10 h 48 min
